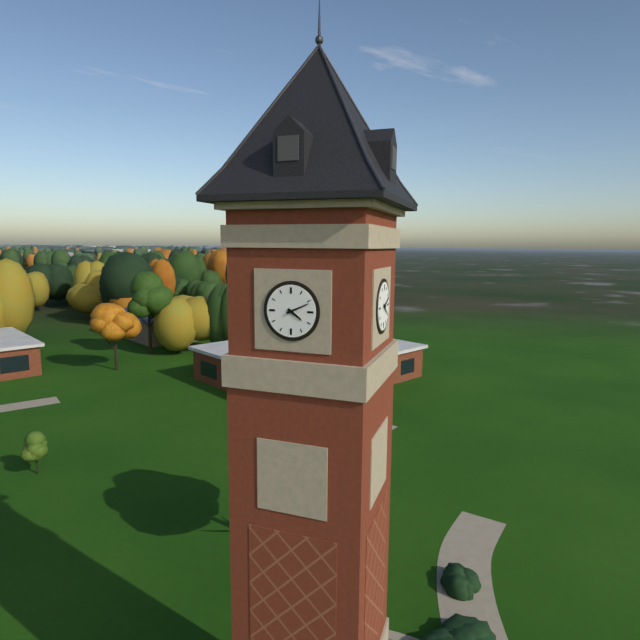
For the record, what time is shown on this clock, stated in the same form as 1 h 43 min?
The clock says 4 h 11 min
